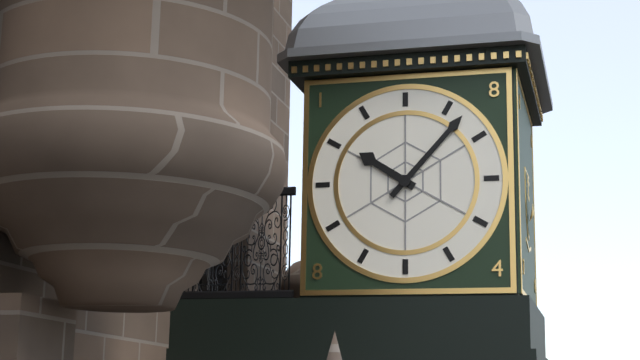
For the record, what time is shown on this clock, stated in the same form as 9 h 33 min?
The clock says 10 h 07 min
